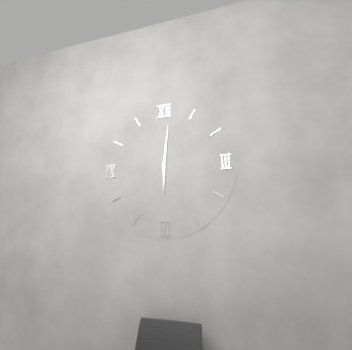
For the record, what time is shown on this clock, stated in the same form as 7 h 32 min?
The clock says 6 h 01 min
